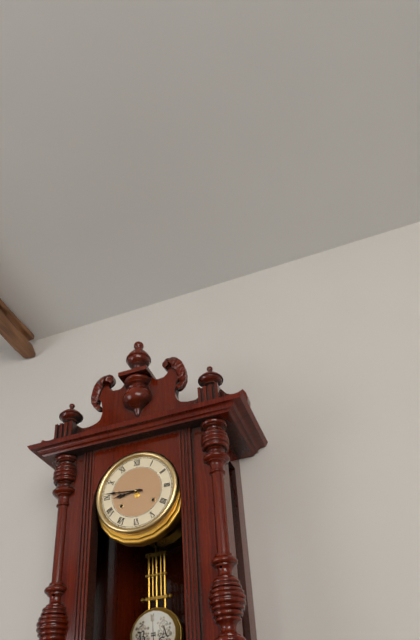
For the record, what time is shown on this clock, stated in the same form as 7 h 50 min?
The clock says 8 h 46 min
